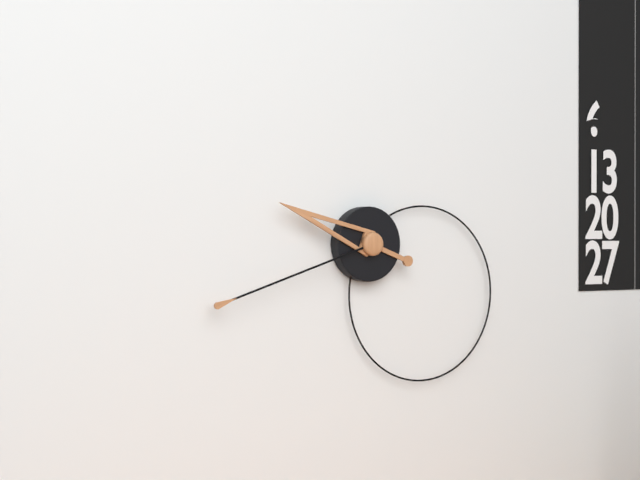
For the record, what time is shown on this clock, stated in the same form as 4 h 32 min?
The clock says 9 h 42 min
